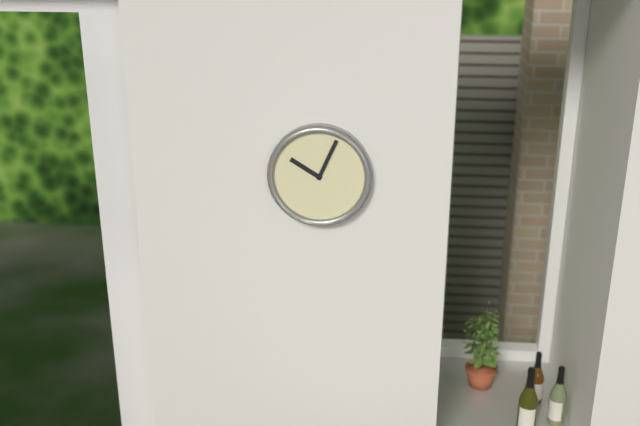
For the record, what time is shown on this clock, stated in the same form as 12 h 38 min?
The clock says 10 h 04 min
